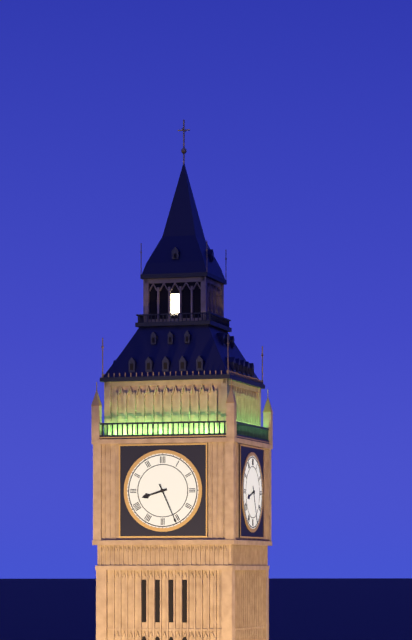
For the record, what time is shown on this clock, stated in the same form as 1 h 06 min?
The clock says 8 h 26 min
